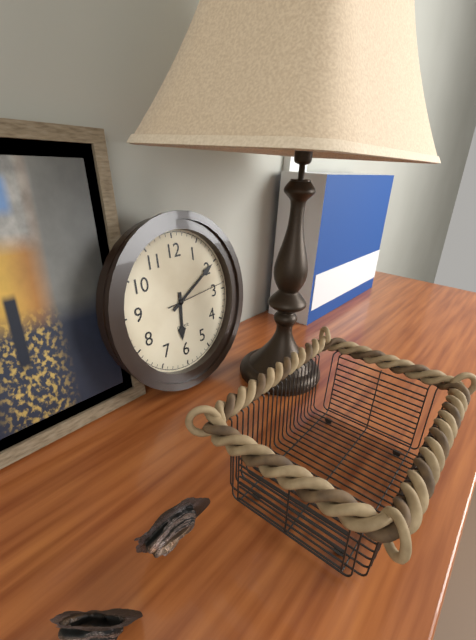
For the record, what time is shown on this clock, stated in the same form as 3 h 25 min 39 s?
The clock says 6 h 10 min 14 s
